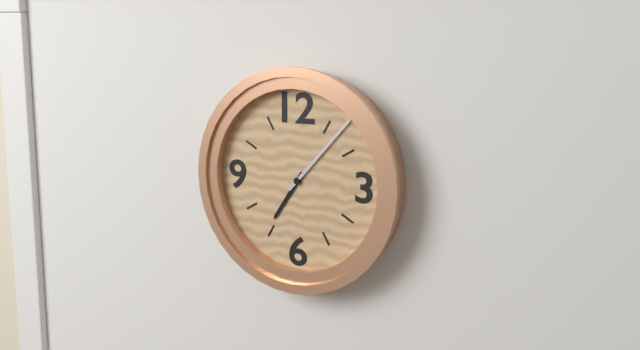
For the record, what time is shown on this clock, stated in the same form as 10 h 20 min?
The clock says 7 h 07 min
